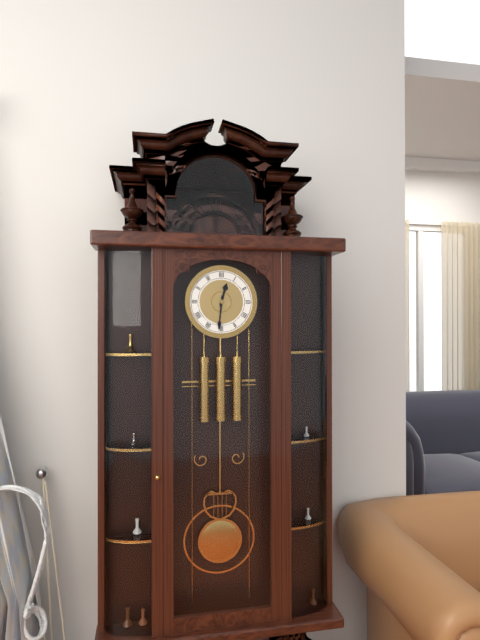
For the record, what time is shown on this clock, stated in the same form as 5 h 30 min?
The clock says 12 h 31 min
